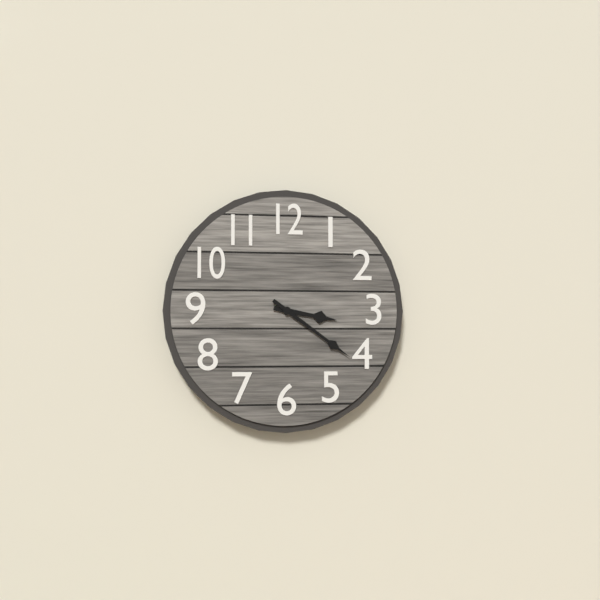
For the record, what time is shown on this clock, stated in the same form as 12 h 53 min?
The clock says 3 h 21 min
